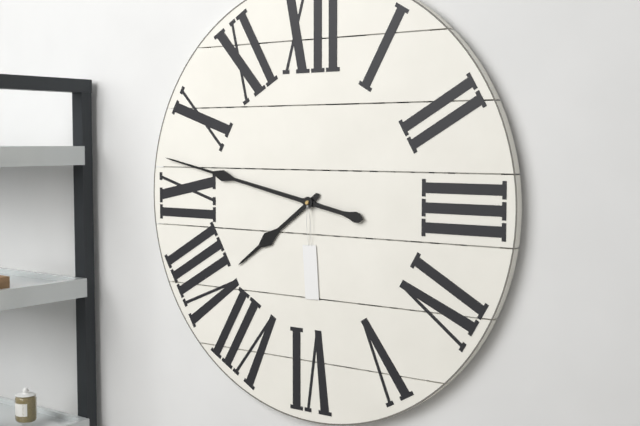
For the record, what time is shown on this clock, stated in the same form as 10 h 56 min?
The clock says 7 h 47 min
